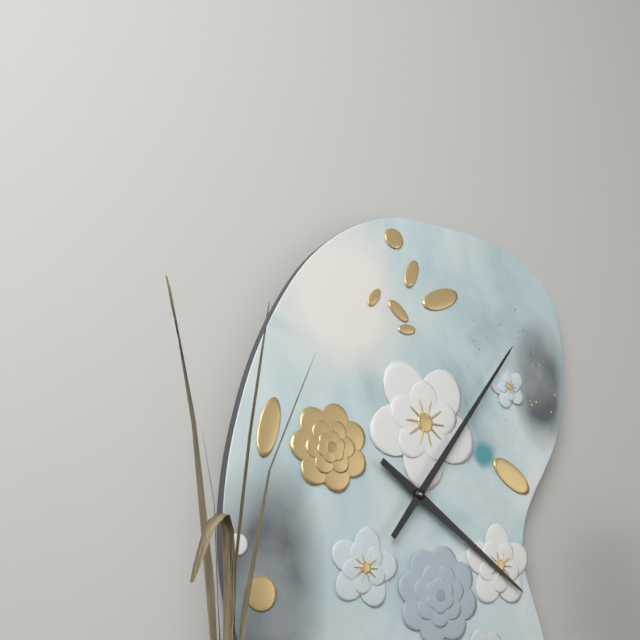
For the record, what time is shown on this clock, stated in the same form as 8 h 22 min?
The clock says 4 h 06 min
